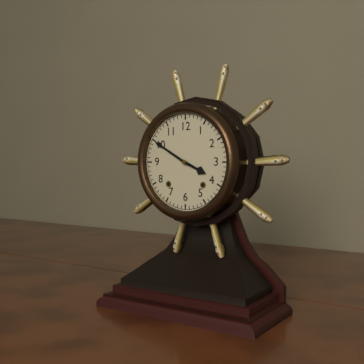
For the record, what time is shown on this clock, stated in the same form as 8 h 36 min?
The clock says 3 h 50 min
